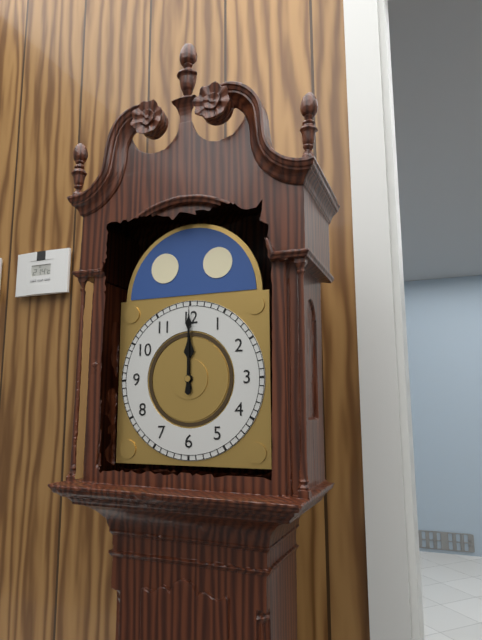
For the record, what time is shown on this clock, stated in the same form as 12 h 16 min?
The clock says 12 h 00 min
